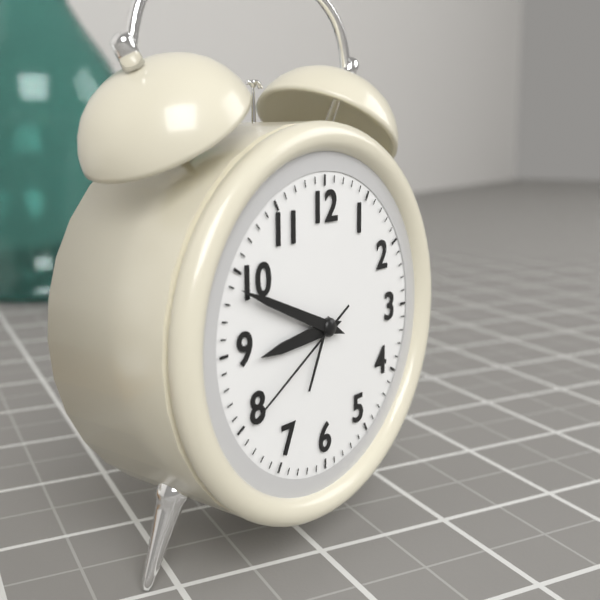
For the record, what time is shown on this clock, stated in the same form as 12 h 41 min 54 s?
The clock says 8 h 49 min 40 s
